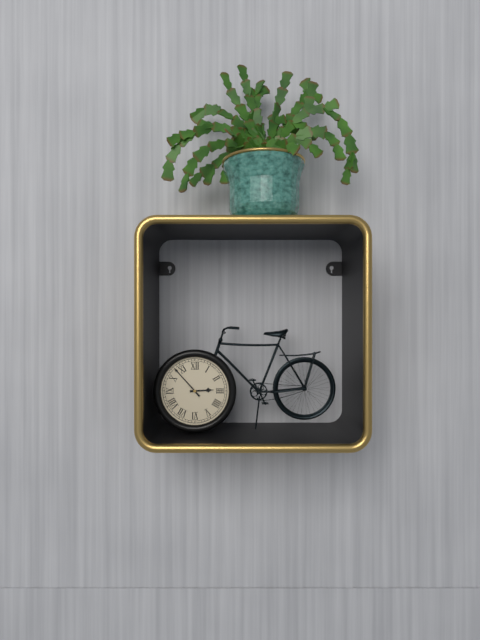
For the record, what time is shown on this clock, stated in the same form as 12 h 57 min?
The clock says 2 h 53 min
